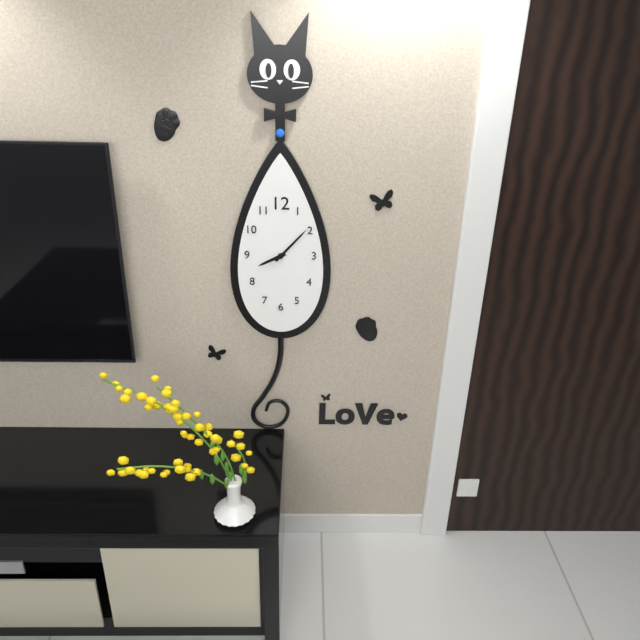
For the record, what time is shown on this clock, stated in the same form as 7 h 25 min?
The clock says 8 h 07 min
